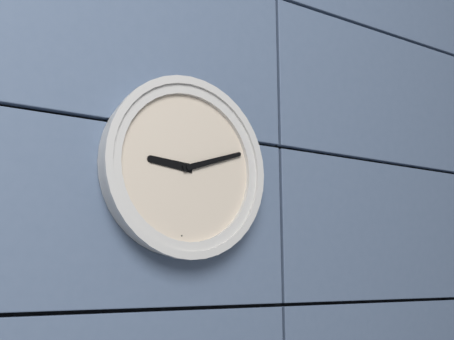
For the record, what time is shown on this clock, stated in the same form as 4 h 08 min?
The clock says 9 h 12 min
